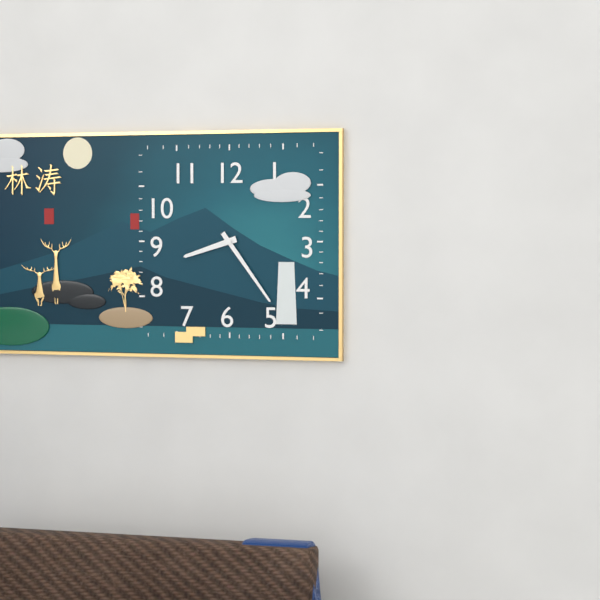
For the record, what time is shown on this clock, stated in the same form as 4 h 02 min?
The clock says 8 h 24 min
